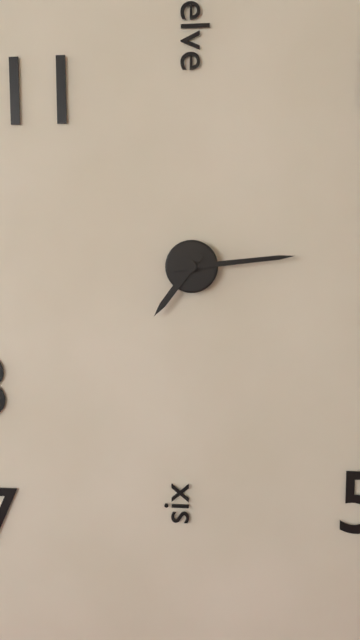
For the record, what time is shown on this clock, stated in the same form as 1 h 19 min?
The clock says 7 h 14 min
